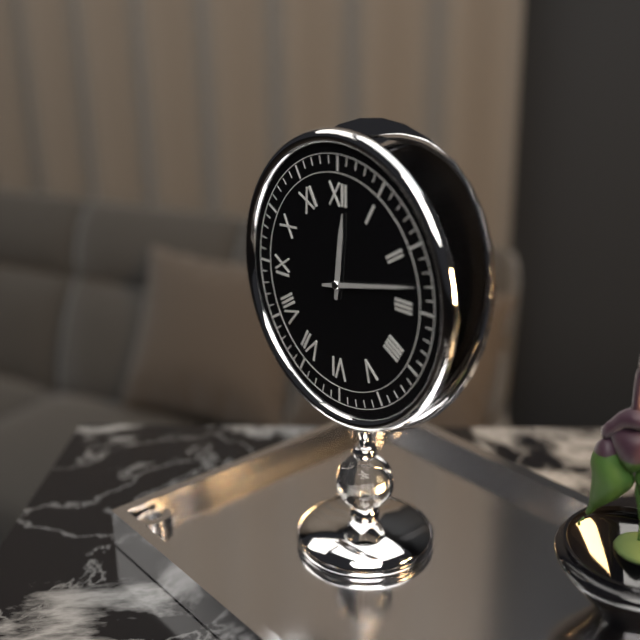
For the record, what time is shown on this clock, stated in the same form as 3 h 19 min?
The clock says 12 h 13 min
